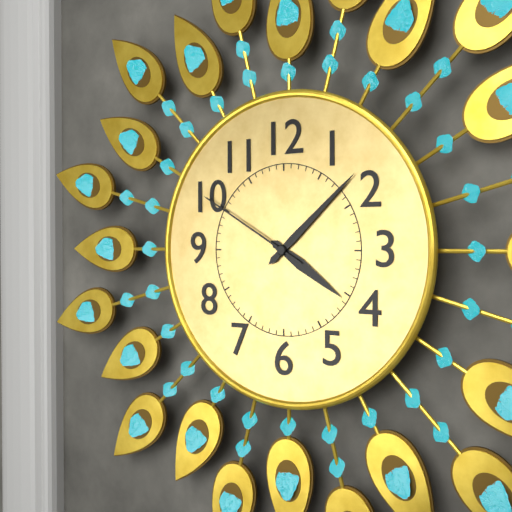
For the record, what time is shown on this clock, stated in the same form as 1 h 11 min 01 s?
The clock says 4 h 08 min 50 s
